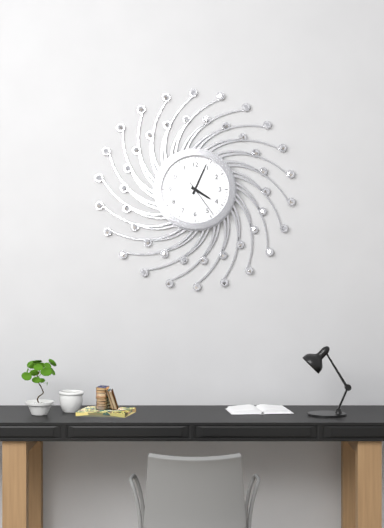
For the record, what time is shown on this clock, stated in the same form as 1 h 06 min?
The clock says 4 h 04 min
